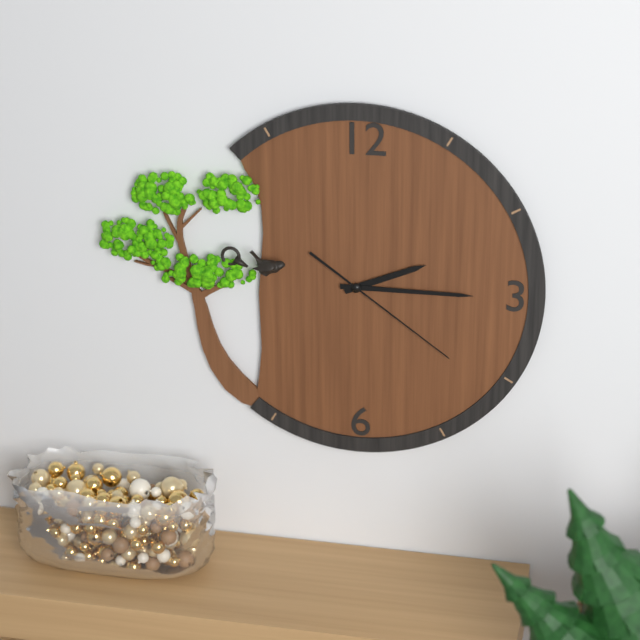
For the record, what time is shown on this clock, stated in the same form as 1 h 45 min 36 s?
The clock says 2 h 15 min 21 s
